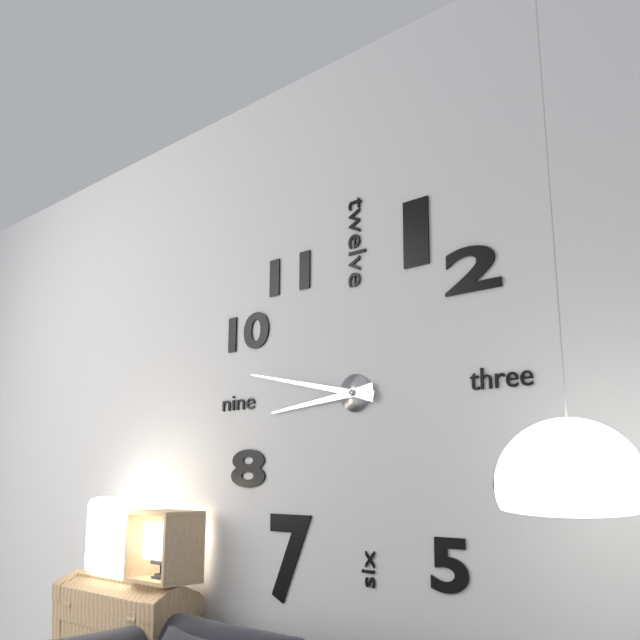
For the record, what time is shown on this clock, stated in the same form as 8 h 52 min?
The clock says 8 h 47 min
